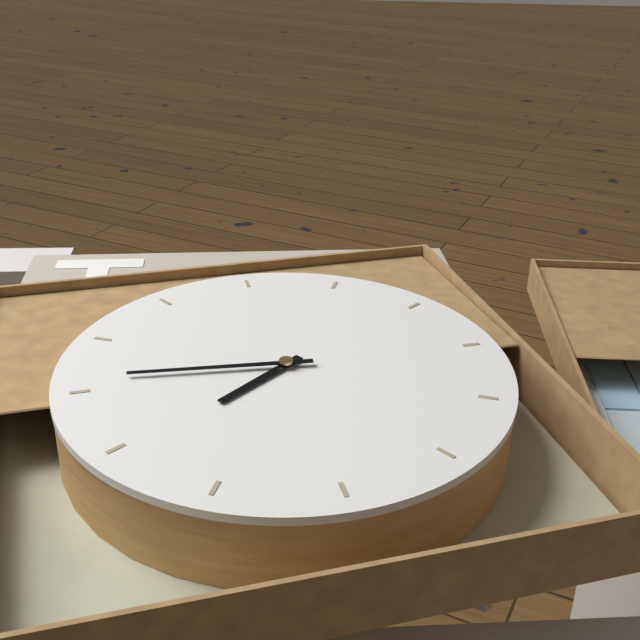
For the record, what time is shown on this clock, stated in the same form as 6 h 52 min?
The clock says 8 h 51 min
